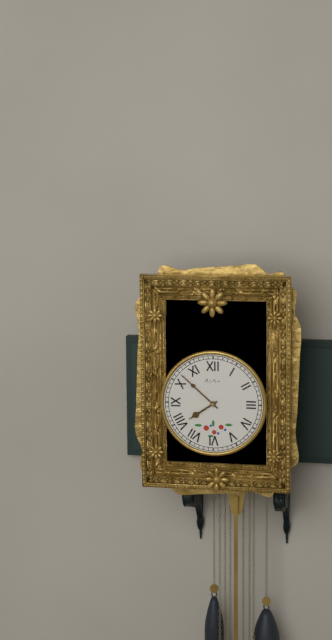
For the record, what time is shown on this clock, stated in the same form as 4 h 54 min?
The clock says 7 h 52 min
